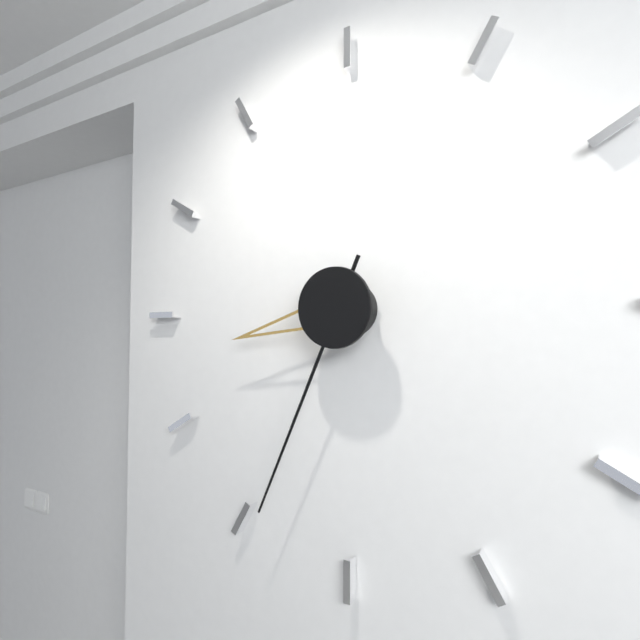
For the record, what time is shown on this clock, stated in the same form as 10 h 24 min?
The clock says 8 h 34 min
